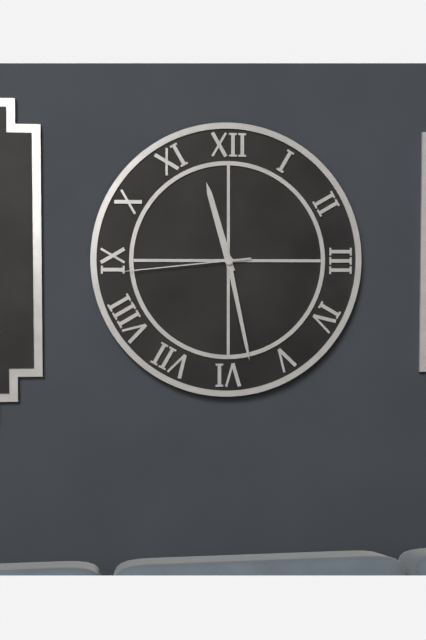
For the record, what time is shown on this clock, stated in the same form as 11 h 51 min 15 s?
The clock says 11 h 28 min 44 s
